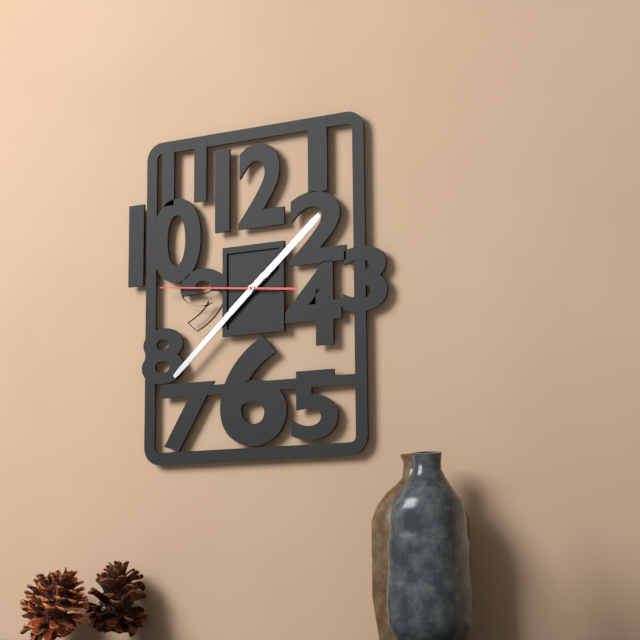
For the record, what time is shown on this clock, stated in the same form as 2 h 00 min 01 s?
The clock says 1 h 38 min 46 s
